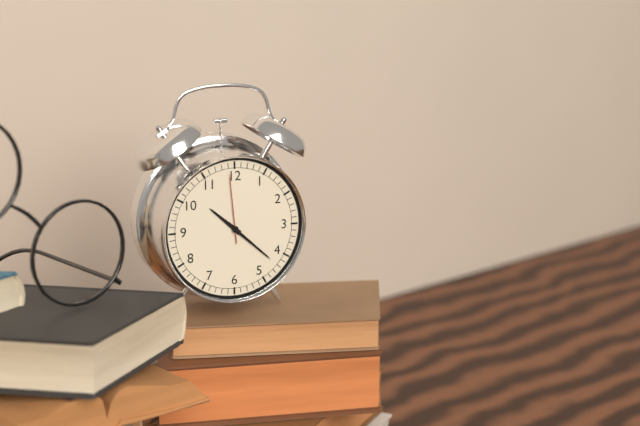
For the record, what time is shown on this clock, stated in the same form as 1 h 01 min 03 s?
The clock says 10 h 22 min 59 s
